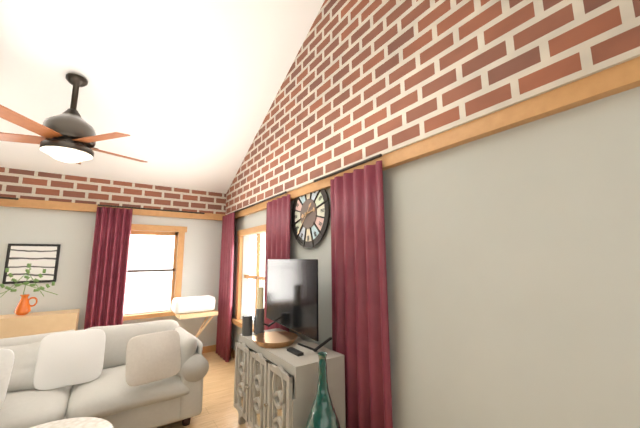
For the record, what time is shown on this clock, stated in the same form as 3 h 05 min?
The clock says 2 h 37 min
